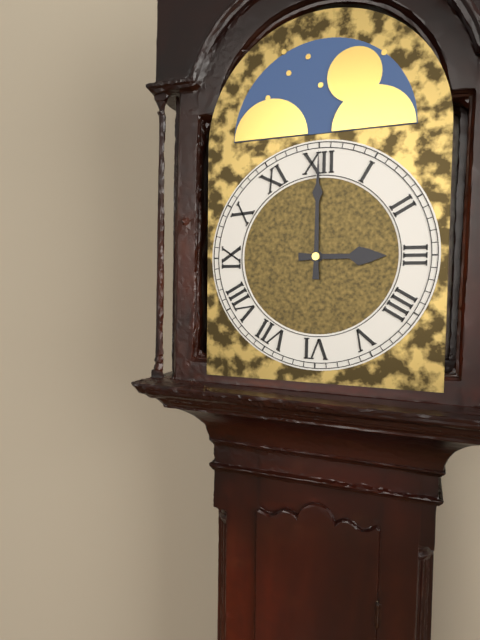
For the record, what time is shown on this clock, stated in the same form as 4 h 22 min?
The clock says 3 h 00 min
